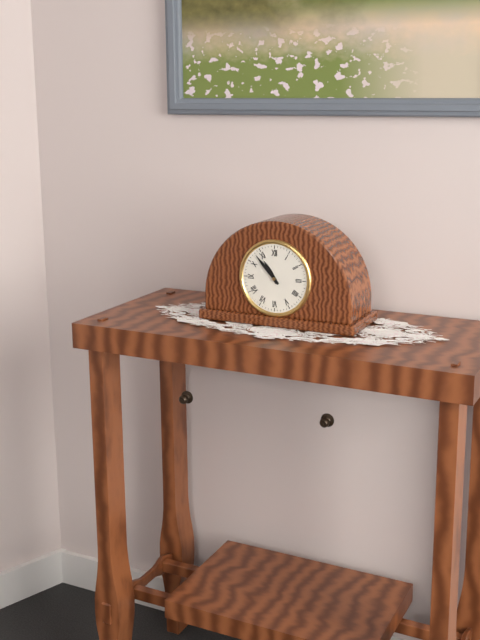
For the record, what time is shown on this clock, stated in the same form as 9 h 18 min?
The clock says 10 h 53 min
